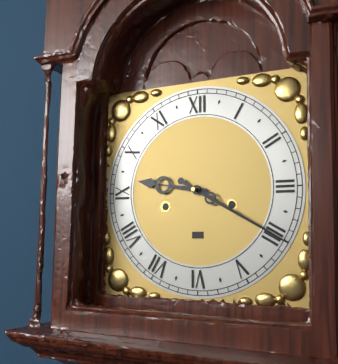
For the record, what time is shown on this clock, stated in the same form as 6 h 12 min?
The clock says 9 h 20 min
